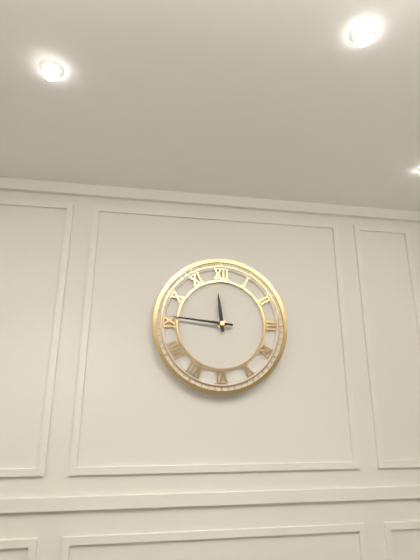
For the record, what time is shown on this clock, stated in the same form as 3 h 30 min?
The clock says 11 h 46 min
